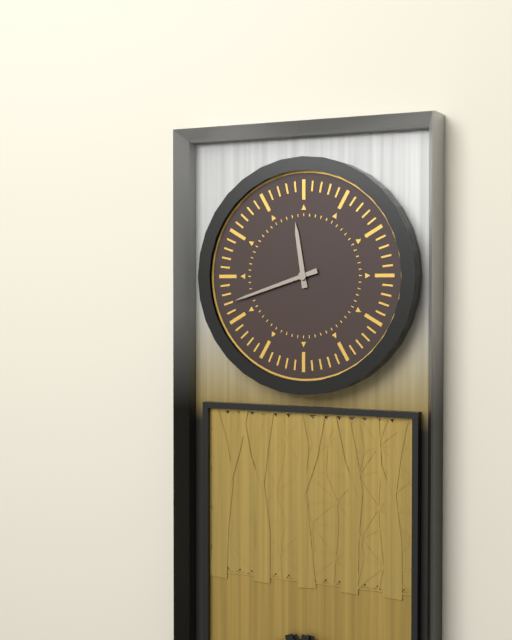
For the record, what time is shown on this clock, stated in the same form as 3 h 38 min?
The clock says 11 h 42 min
